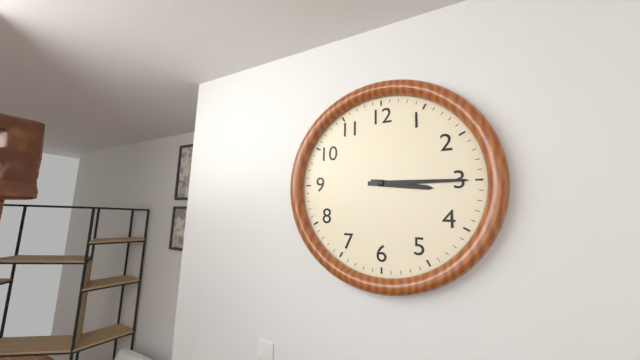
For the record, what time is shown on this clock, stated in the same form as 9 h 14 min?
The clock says 3 h 15 min
